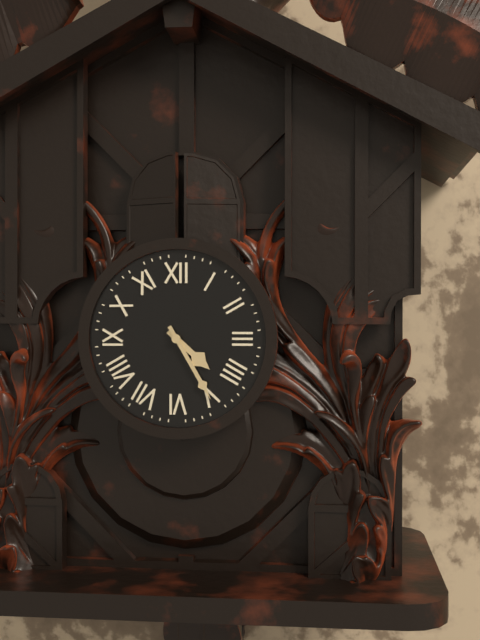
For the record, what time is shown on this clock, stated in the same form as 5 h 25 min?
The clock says 4 h 25 min
